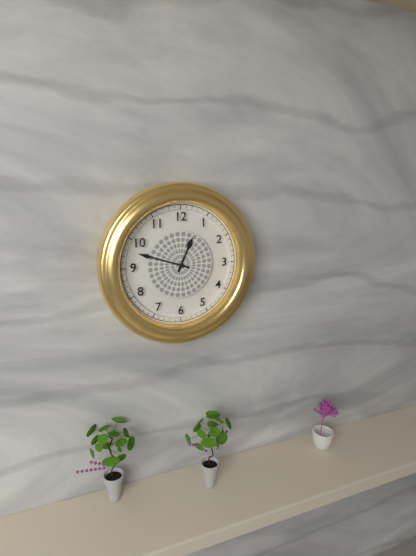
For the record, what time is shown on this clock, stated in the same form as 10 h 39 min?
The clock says 12 h 48 min
